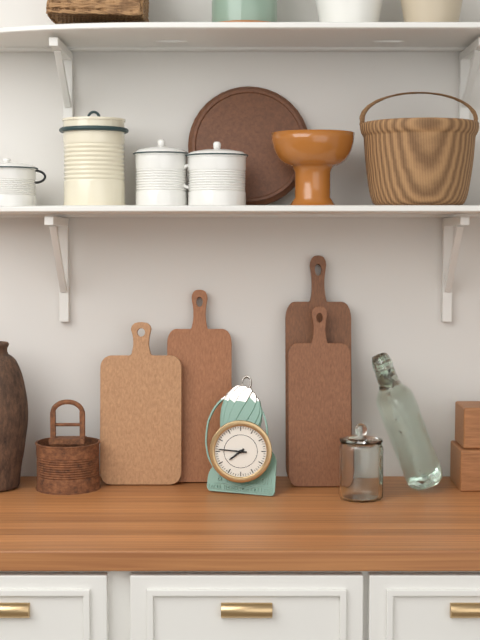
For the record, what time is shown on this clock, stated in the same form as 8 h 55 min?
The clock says 7 h 46 min
